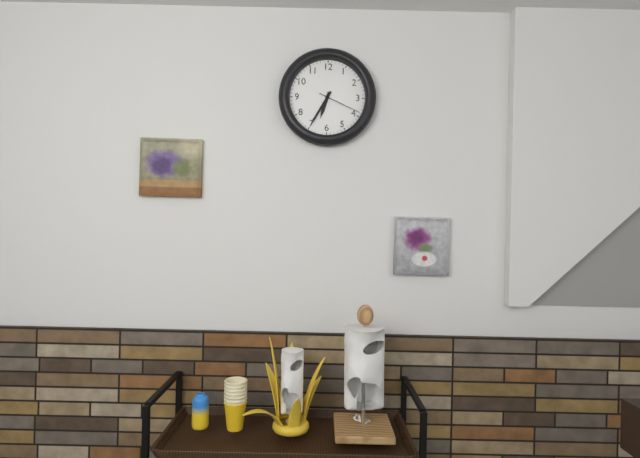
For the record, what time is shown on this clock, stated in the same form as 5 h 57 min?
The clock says 6 h 35 min
